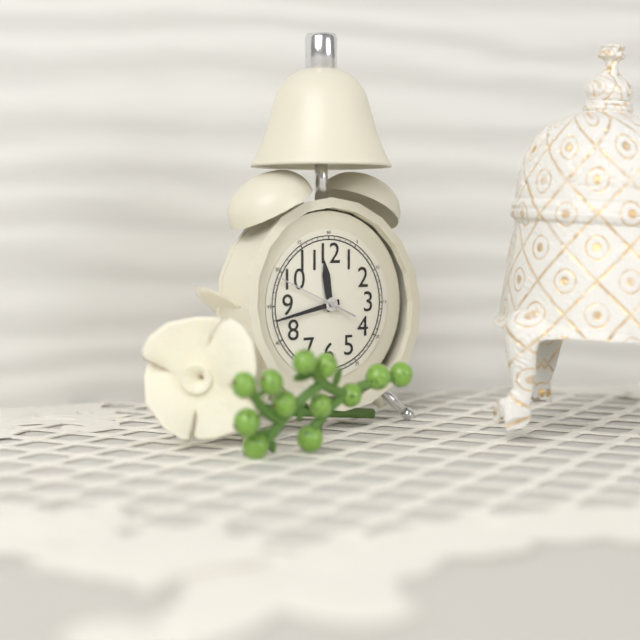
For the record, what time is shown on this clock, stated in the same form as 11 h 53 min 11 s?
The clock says 11 h 43 min 49 s
